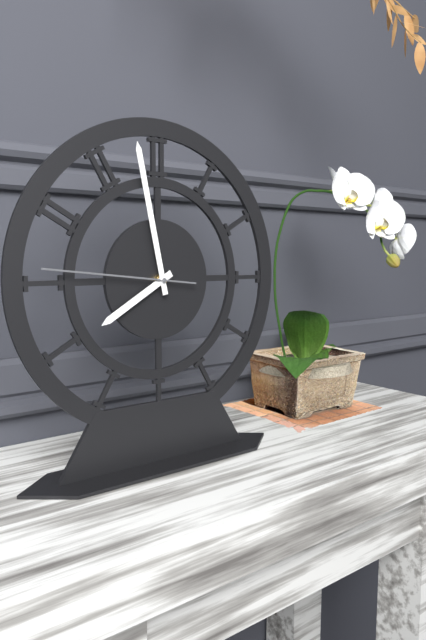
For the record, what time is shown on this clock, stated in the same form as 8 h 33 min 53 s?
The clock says 7 h 58 min 46 s
